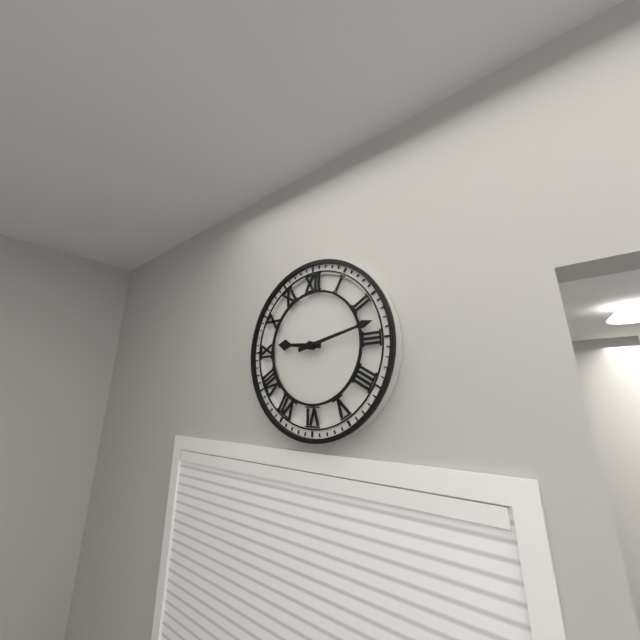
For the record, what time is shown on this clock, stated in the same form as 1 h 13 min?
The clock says 9 h 13 min
